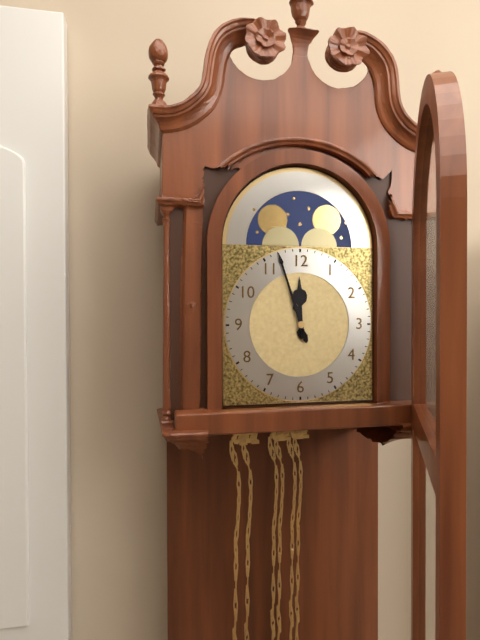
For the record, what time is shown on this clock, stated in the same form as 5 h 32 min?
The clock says 11 h 57 min
